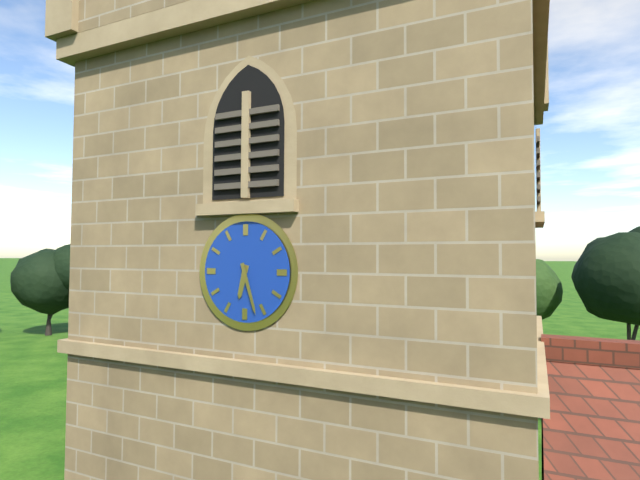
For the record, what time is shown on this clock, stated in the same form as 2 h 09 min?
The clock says 6 h 27 min
